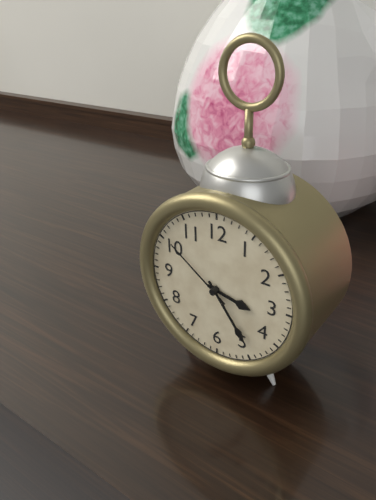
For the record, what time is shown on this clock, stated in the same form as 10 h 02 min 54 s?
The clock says 3 h 24 min 51 s
